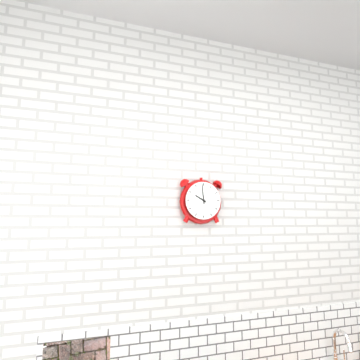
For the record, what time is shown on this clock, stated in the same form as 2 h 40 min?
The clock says 9 h 59 min
